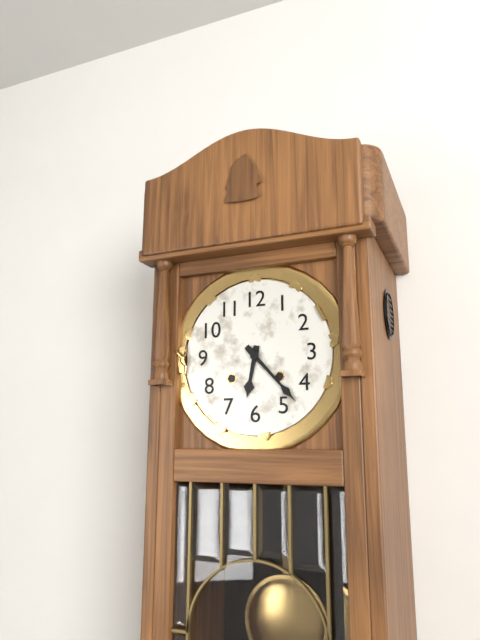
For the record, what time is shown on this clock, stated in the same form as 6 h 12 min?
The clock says 6 h 23 min
